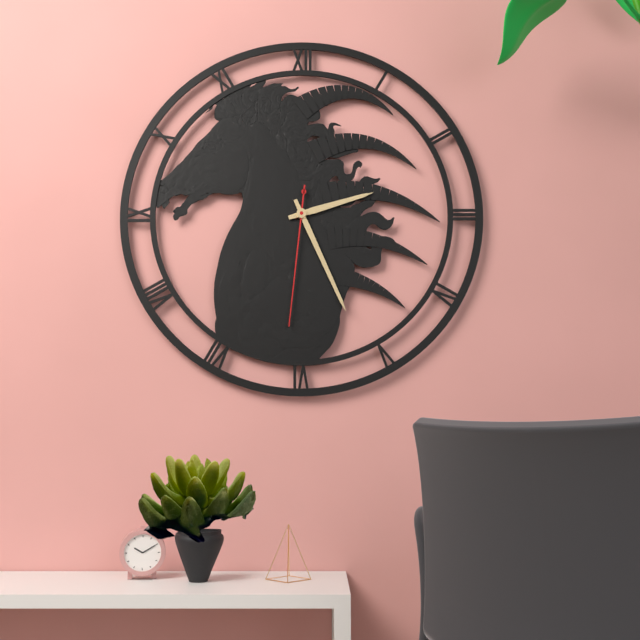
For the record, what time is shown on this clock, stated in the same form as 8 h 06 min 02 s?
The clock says 2 h 26 min 31 s
